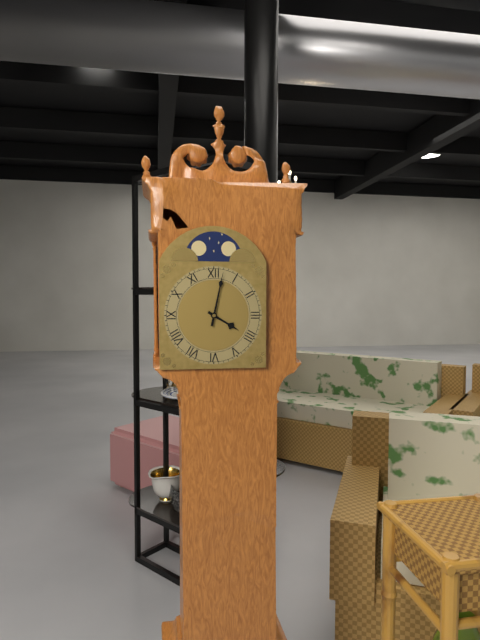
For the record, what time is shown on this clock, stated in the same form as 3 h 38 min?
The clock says 4 h 02 min
